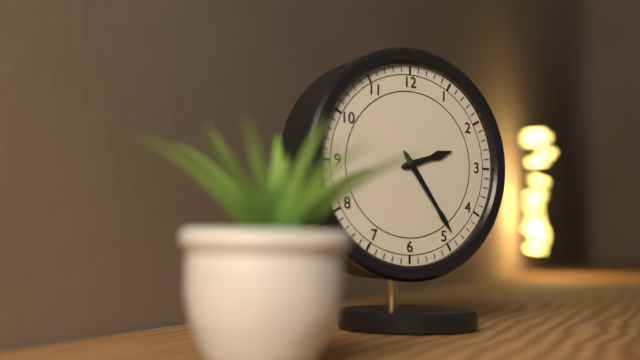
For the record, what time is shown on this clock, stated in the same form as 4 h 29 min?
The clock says 2 h 24 min
